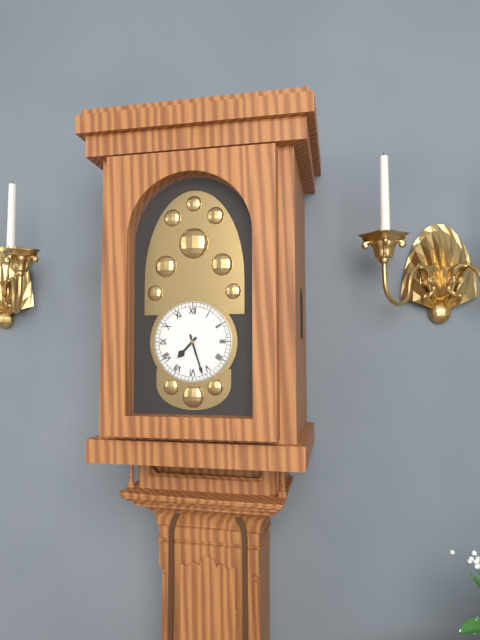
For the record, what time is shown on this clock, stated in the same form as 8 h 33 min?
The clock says 7 h 27 min
